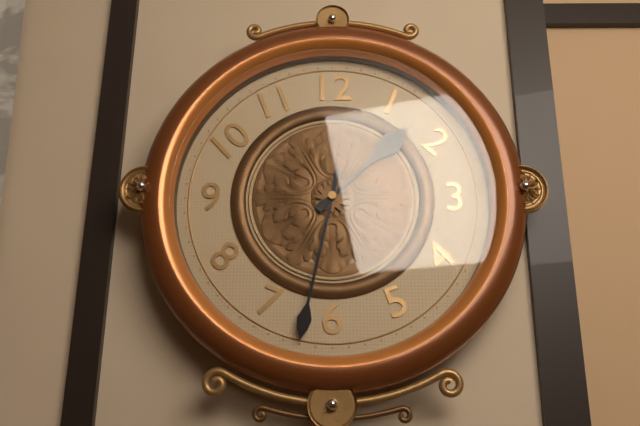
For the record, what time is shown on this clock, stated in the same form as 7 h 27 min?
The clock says 1 h 32 min
